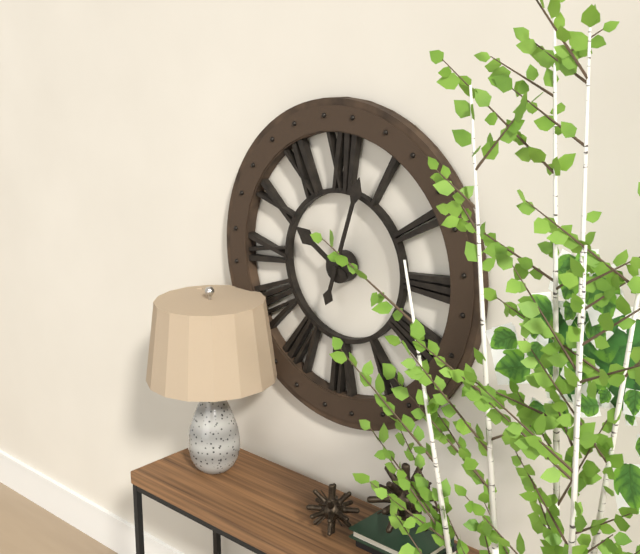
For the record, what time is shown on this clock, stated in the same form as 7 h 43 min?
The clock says 10 h 03 min
